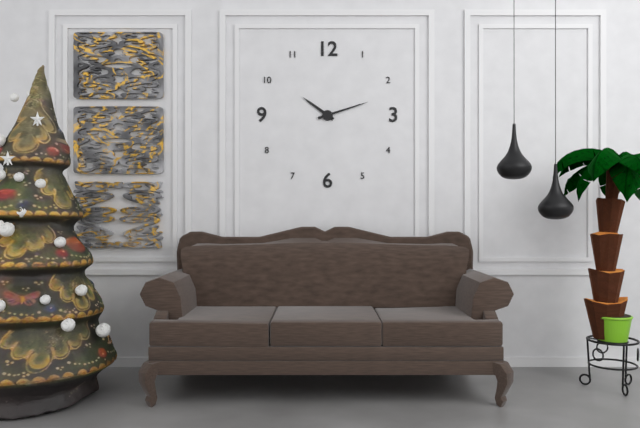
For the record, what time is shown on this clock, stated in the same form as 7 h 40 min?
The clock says 10 h 12 min
